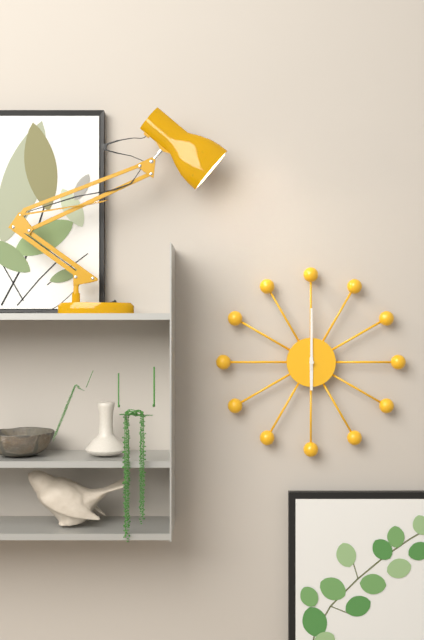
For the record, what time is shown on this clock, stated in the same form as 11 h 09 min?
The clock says 6 h 00 min
